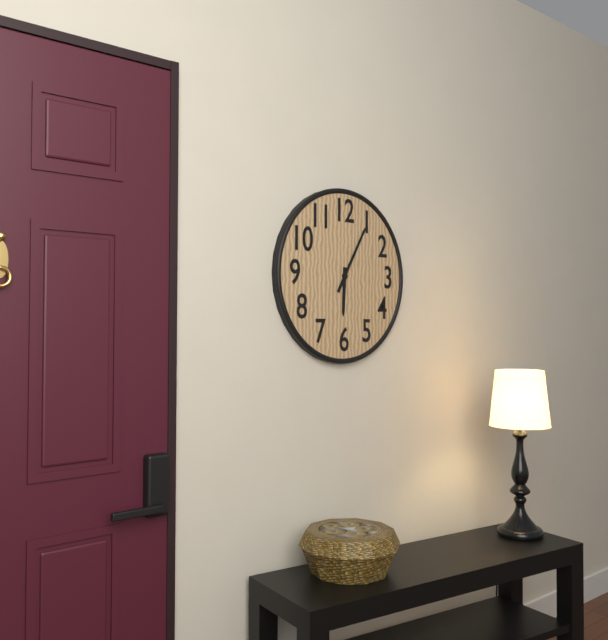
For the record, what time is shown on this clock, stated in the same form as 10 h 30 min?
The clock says 6 h 05 min
